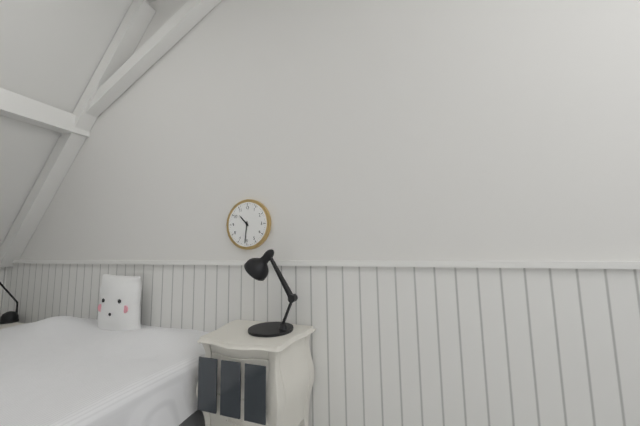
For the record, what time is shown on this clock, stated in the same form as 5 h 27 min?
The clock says 10 h 31 min
